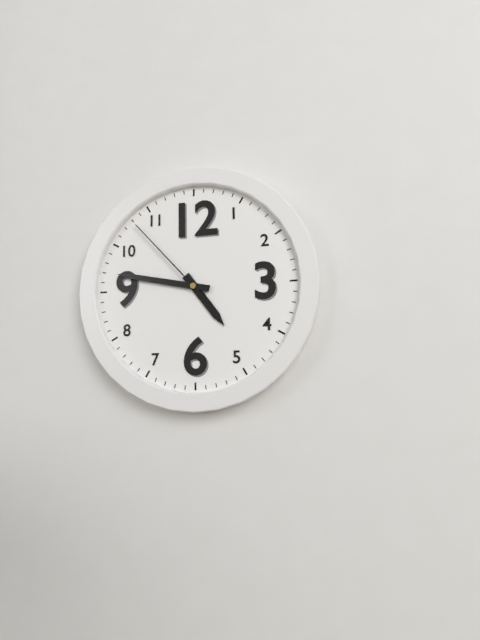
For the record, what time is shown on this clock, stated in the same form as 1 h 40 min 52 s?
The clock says 4 h 47 min 53 s
